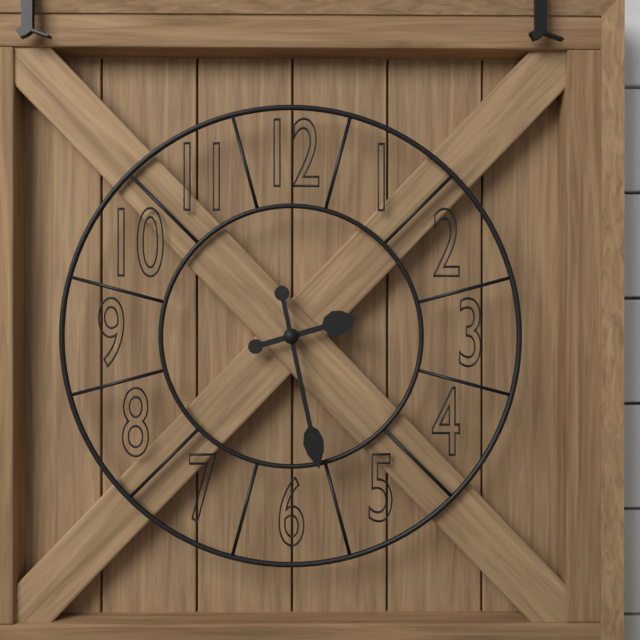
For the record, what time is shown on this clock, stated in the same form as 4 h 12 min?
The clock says 2 h 28 min
